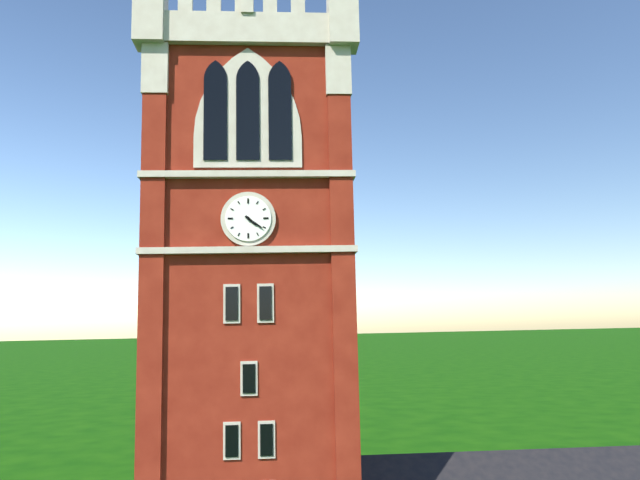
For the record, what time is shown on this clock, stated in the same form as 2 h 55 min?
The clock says 4 h 21 min
